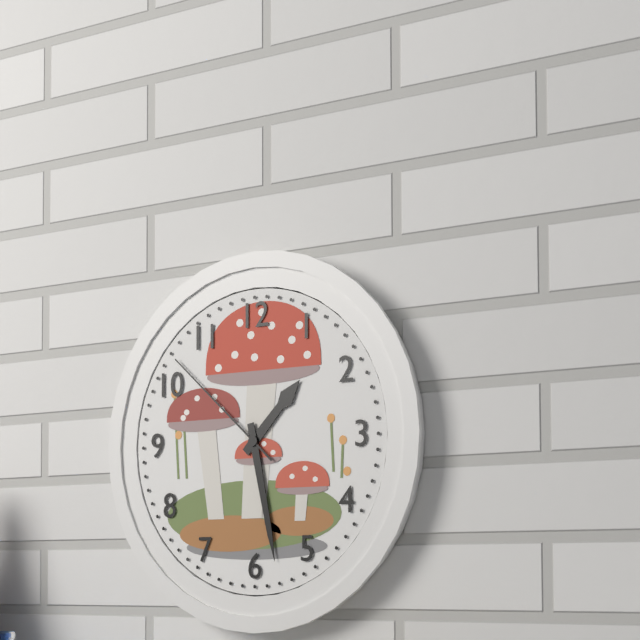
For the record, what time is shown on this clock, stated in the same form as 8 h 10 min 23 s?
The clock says 1 h 28 min 52 s
